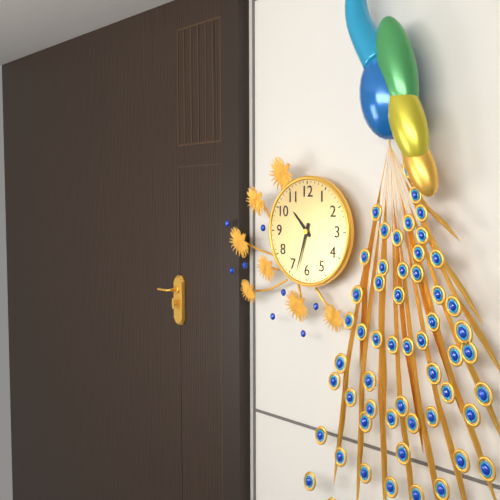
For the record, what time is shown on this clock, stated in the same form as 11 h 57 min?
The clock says 10 h 33 min
